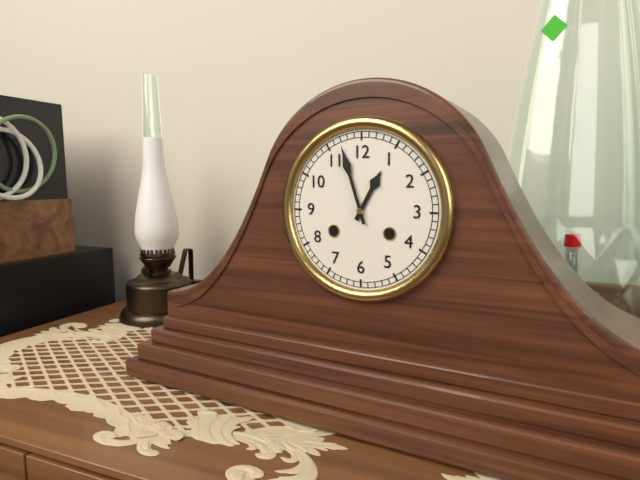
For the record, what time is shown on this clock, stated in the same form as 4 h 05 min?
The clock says 12 h 57 min
